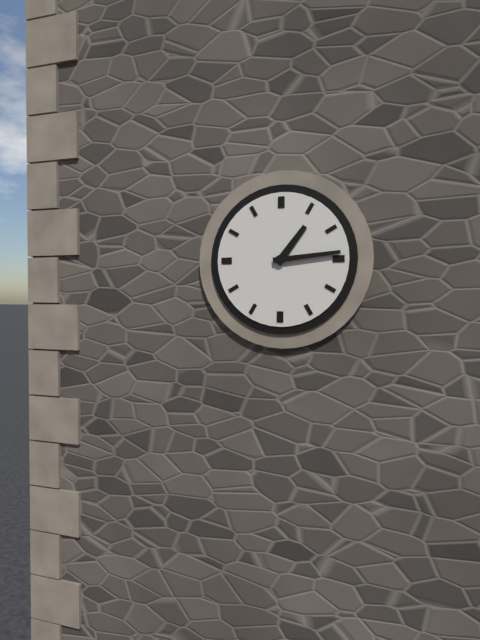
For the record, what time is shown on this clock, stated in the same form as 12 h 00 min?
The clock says 1 h 14 min
